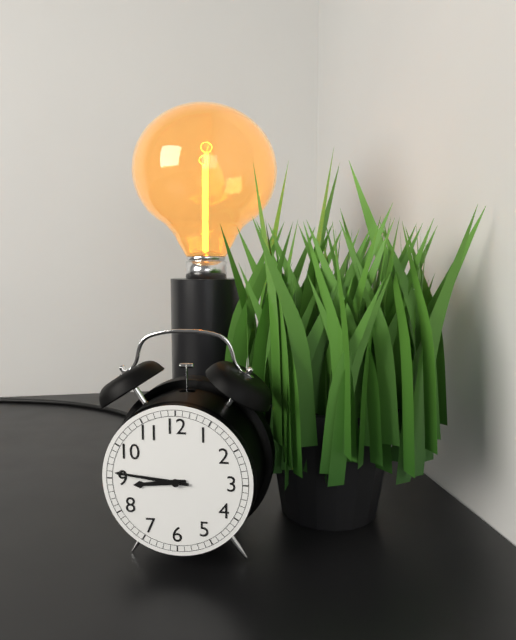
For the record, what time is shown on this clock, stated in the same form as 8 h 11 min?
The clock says 8 h 46 min
